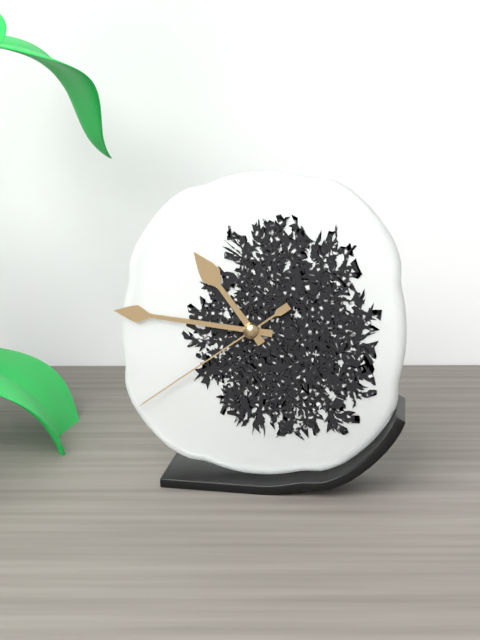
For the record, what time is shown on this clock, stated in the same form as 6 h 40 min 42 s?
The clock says 10 h 46 min 39 s
